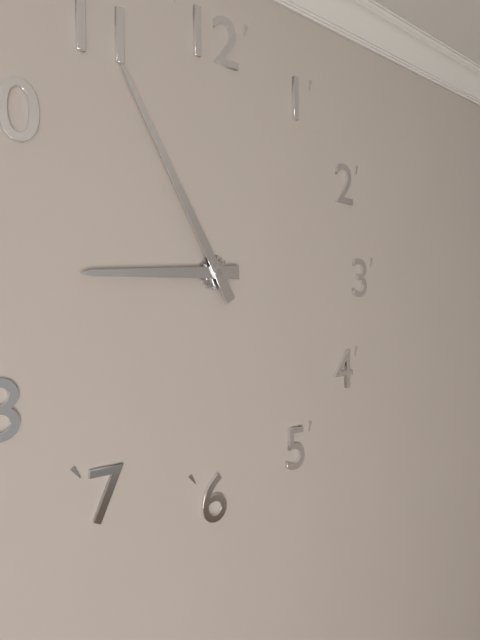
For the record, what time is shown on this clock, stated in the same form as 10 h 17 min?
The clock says 8 h 55 min
